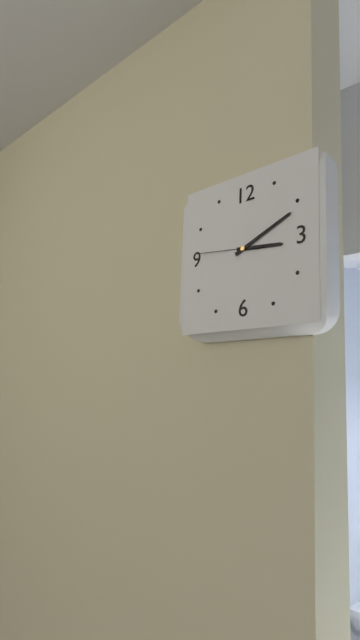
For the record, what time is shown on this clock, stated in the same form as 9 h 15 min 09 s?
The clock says 3 h 11 min 46 s
